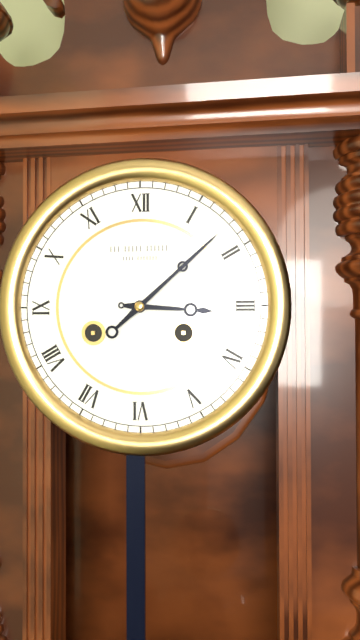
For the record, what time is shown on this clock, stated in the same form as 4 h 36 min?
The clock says 3 h 08 min
